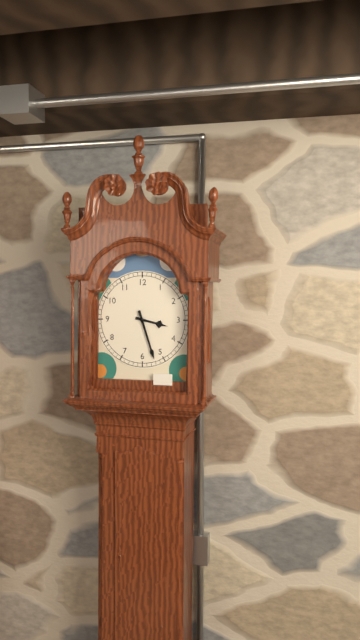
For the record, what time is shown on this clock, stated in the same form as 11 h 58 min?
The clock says 3 h 27 min
